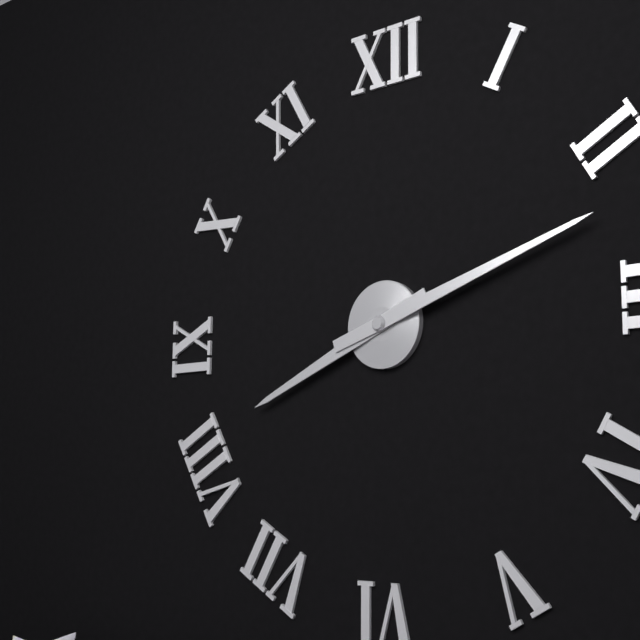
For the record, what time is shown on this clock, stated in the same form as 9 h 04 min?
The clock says 8 h 12 min
